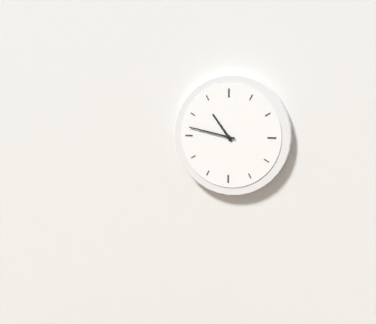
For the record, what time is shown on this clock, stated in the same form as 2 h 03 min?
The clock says 10 h 47 min
